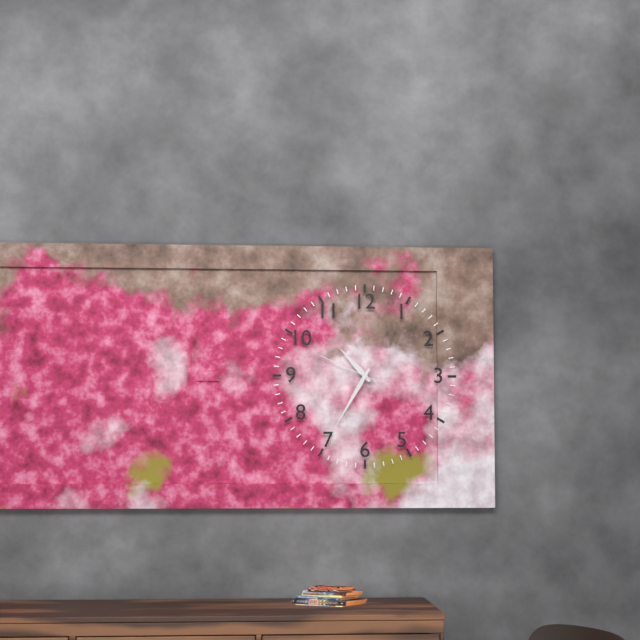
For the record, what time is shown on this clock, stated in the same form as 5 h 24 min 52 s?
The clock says 10 h 35 min 49 s
